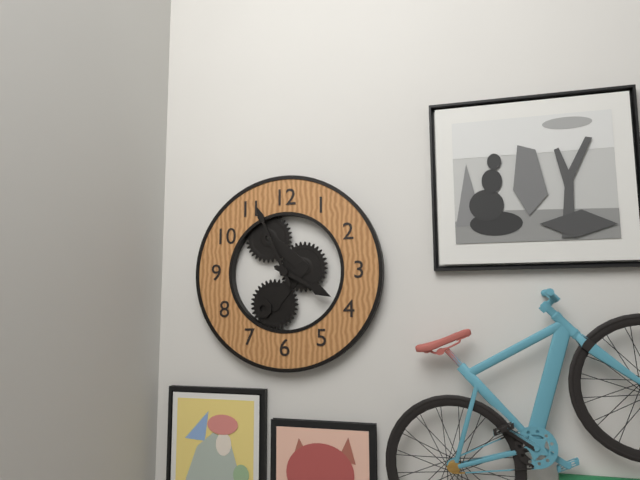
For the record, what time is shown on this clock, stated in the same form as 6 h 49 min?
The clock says 3 h 56 min
